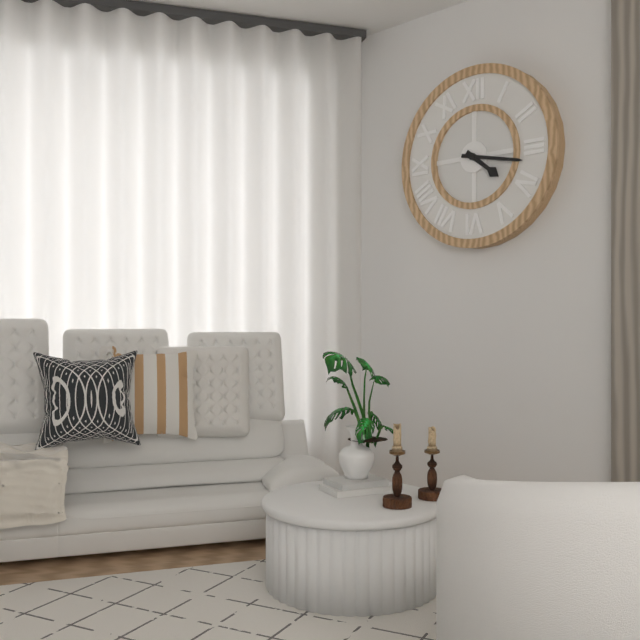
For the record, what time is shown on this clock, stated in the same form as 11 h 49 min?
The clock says 4 h 17 min
